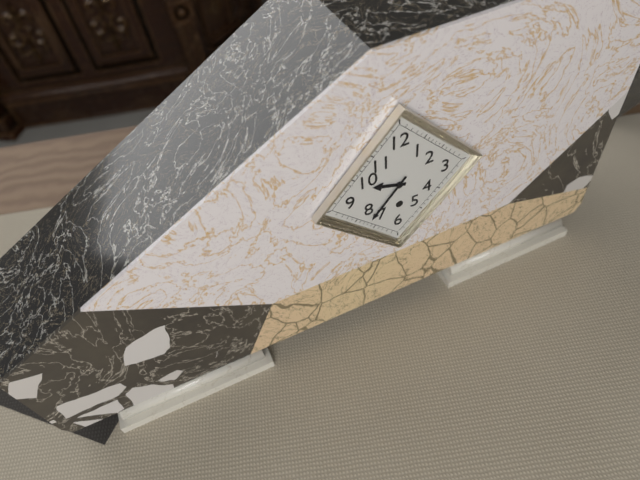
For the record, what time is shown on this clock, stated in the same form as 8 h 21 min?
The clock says 9 h 37 min
